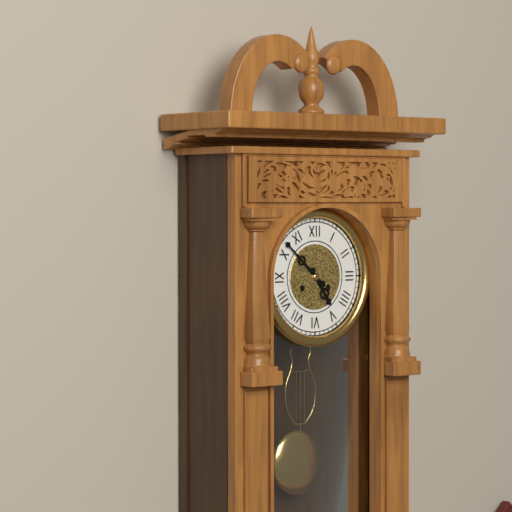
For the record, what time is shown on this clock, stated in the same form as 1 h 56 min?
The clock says 4 h 52 min
